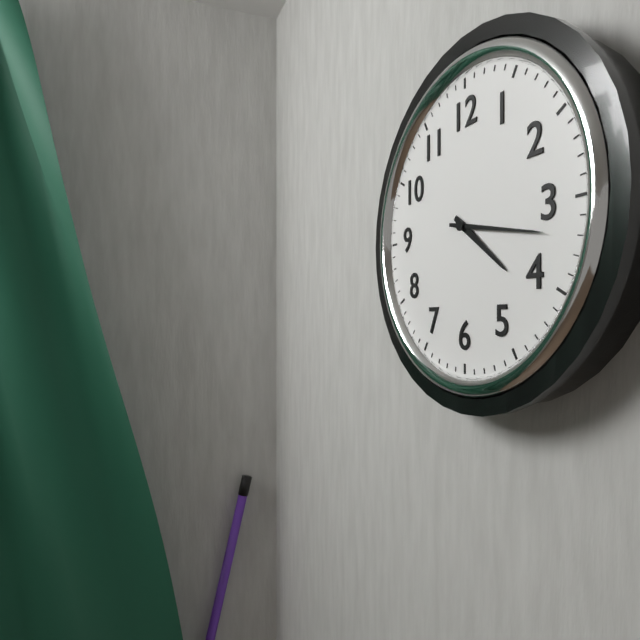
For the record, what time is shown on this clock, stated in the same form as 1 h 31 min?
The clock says 4 h 17 min
